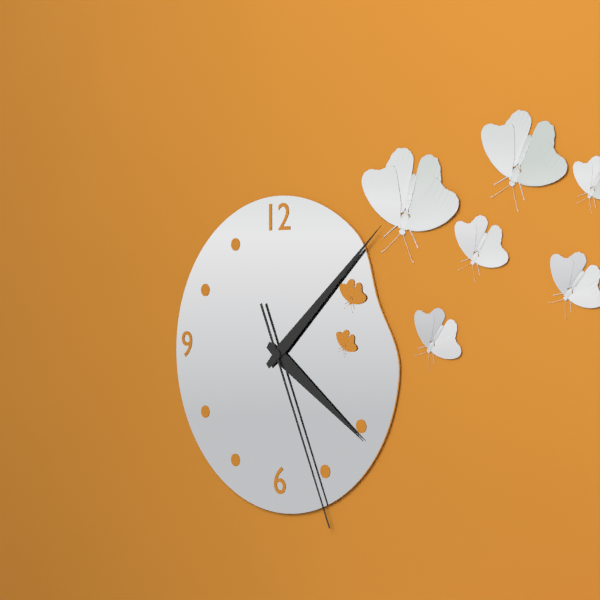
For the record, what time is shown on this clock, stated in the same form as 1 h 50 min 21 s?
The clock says 4 h 08 min 26 s
